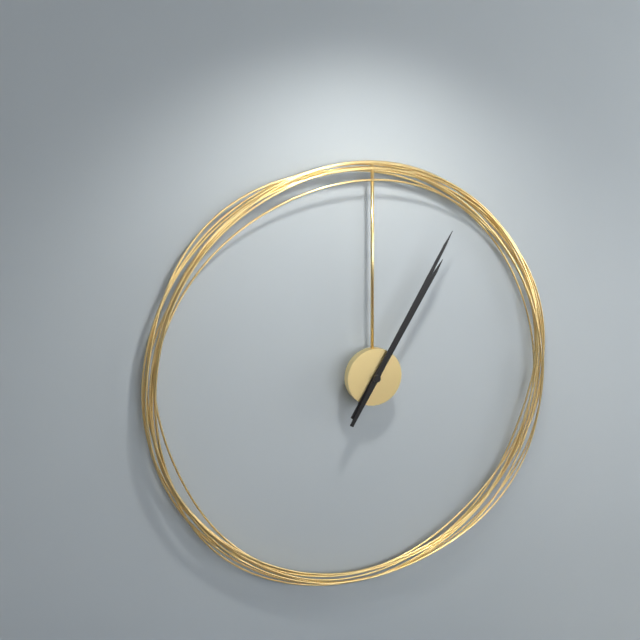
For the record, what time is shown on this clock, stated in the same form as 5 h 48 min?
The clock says 1 h 05 min
